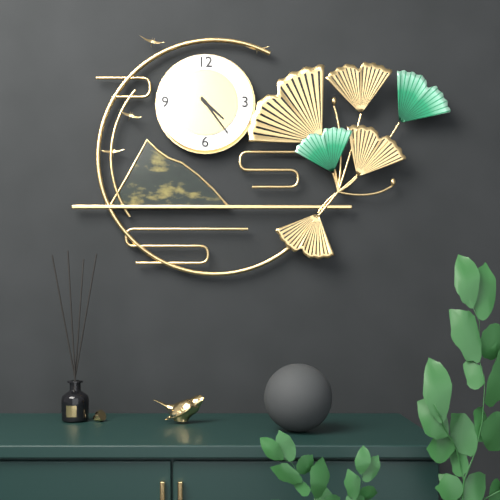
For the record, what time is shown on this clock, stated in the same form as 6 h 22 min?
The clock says 4 h 24 min
